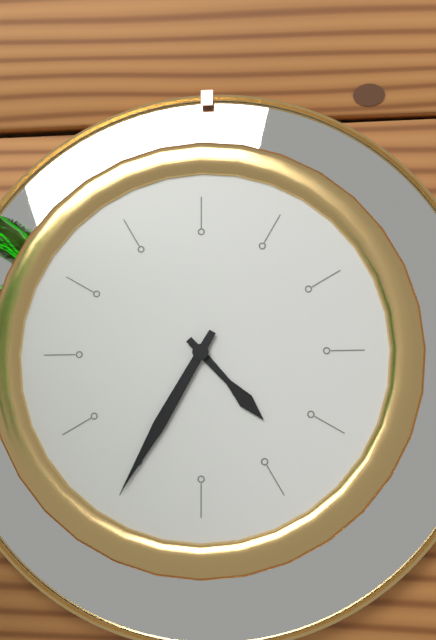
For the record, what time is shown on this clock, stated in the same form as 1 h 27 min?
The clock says 4 h 35 min
